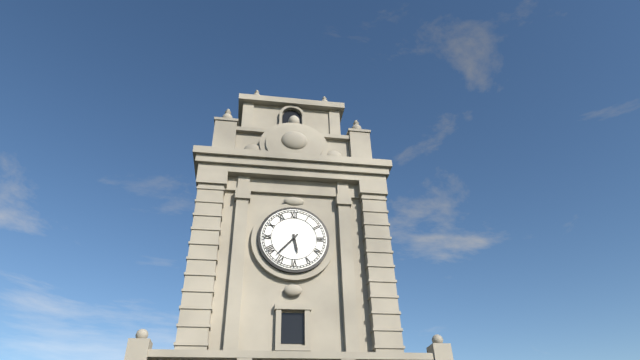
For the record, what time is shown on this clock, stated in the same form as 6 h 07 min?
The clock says 5 h 37 min
